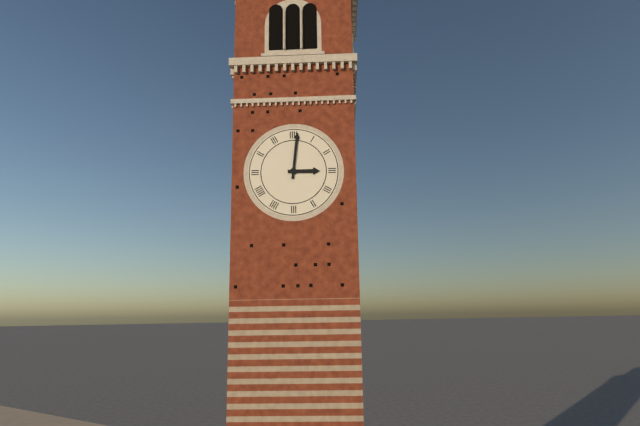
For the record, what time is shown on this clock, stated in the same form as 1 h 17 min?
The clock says 3 h 01 min
